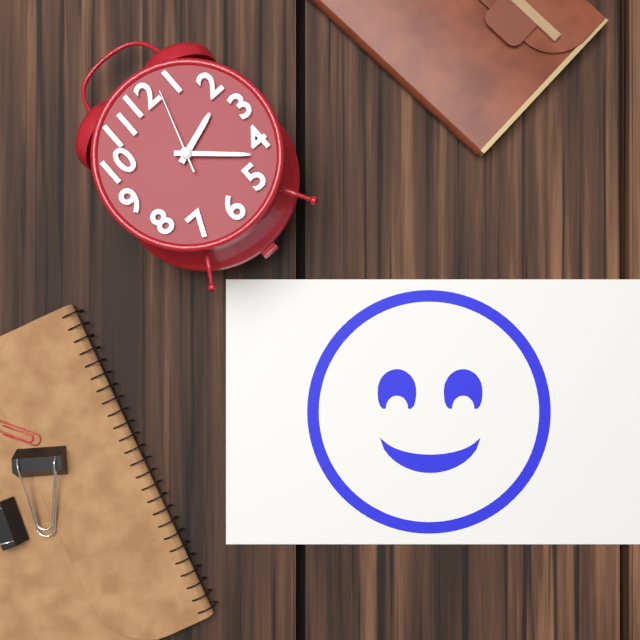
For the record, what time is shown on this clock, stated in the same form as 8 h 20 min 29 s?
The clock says 2 h 22 min 03 s
